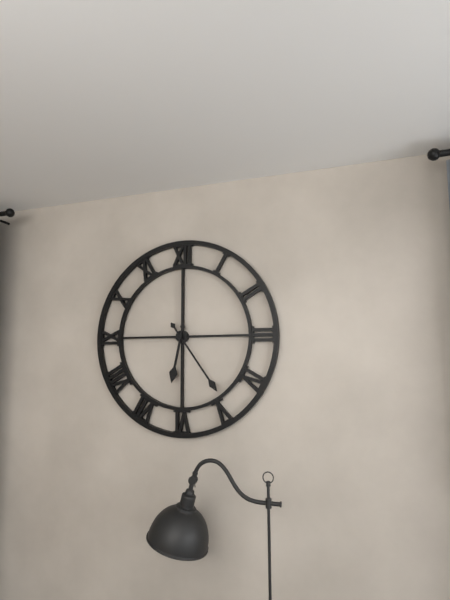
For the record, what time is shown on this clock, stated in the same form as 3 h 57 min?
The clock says 6 h 24 min
